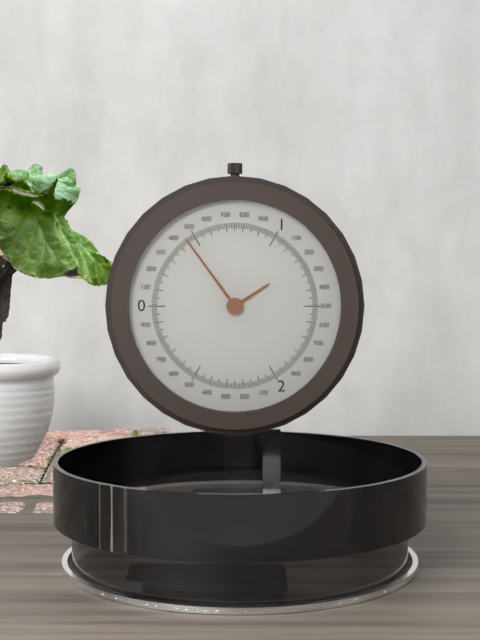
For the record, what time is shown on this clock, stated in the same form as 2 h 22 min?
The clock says 1 h 54 min
